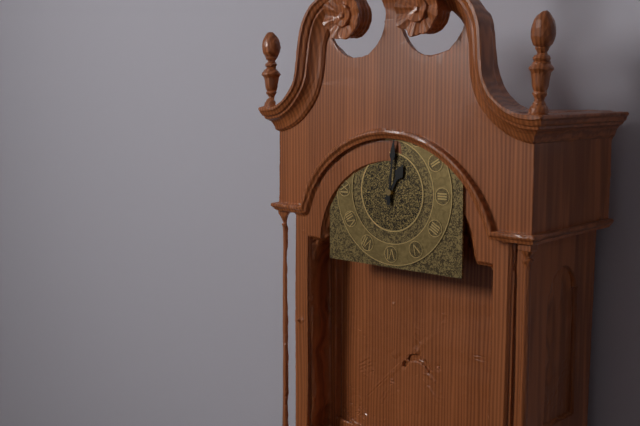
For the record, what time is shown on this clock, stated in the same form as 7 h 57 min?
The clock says 1 h 01 min
